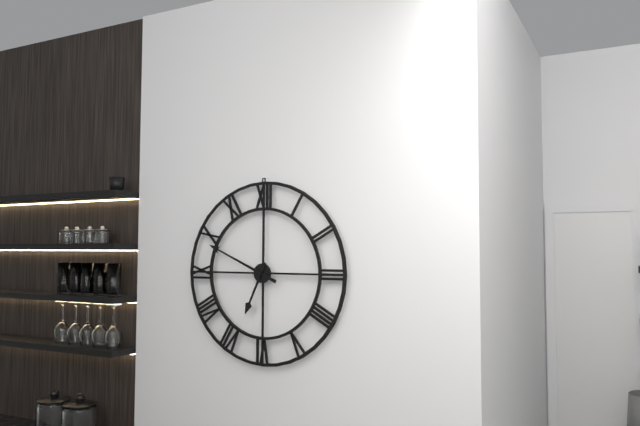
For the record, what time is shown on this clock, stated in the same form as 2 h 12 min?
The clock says 6 h 49 min
